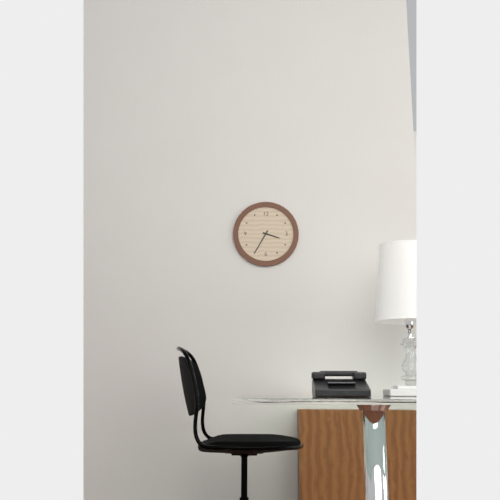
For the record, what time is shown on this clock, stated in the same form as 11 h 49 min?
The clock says 3 h 35 min
